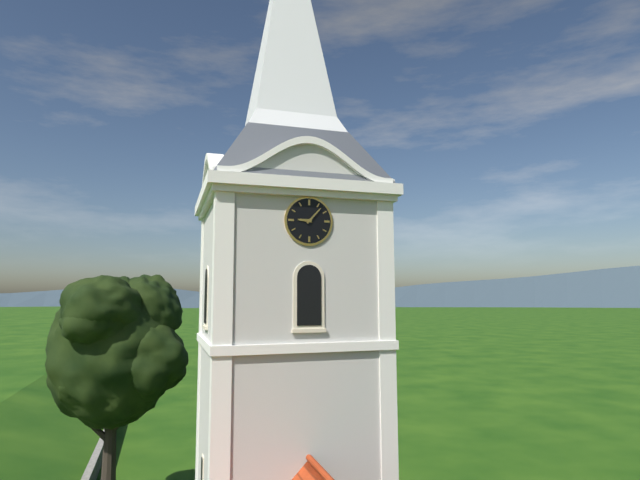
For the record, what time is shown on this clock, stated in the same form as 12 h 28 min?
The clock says 9 h 07 min
